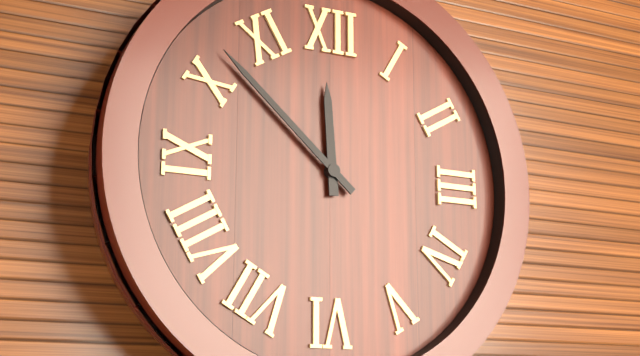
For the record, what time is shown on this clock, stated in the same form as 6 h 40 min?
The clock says 11 h 52 min
